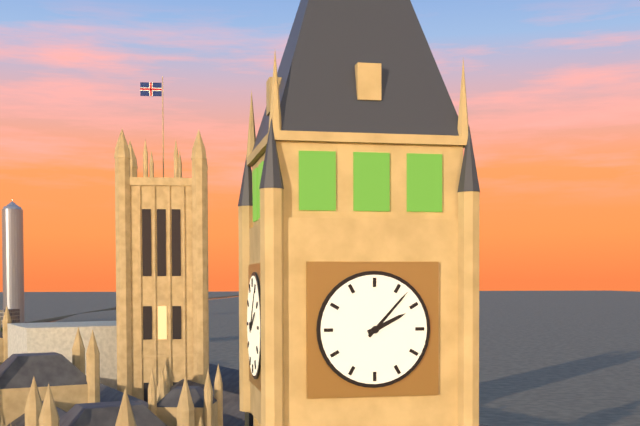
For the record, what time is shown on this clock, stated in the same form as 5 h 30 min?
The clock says 2 h 07 min
